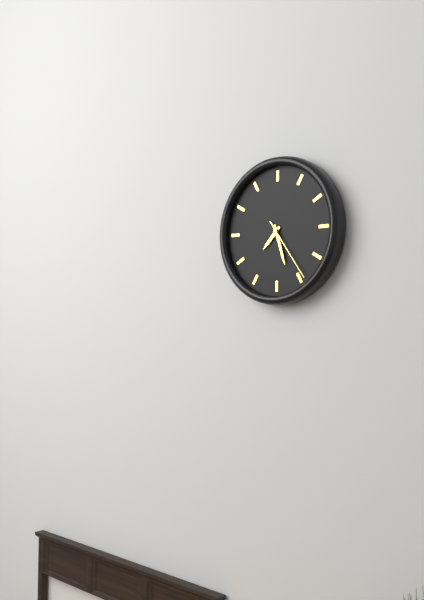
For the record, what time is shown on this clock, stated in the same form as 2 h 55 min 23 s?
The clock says 7 h 27 min 24 s
